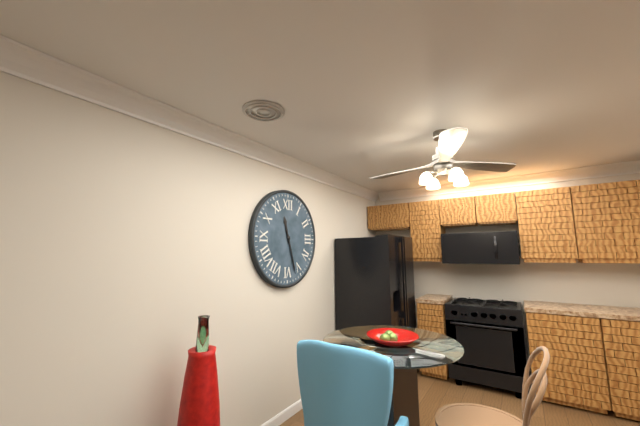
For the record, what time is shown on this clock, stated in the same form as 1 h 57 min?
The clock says 11 h 27 min
